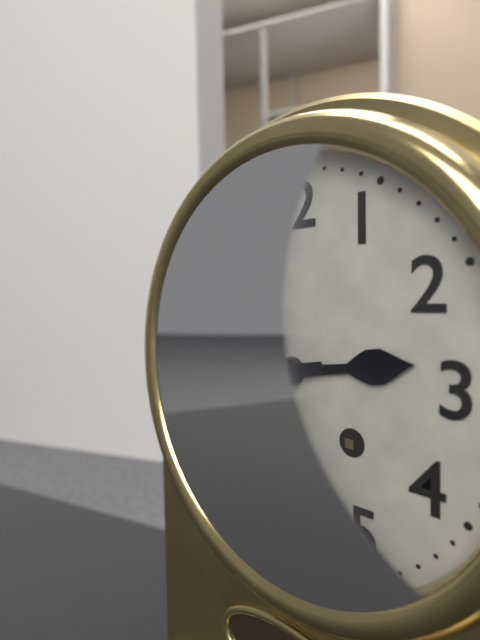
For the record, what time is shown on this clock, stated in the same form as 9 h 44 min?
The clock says 2 h 43 min
